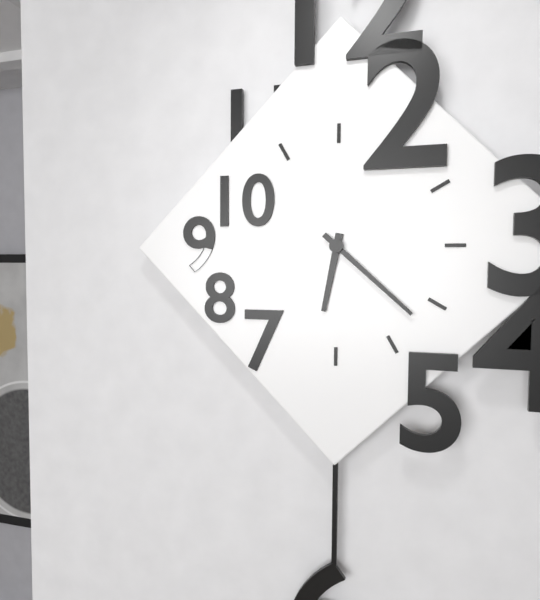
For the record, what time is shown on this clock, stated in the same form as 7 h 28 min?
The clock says 6 h 22 min
